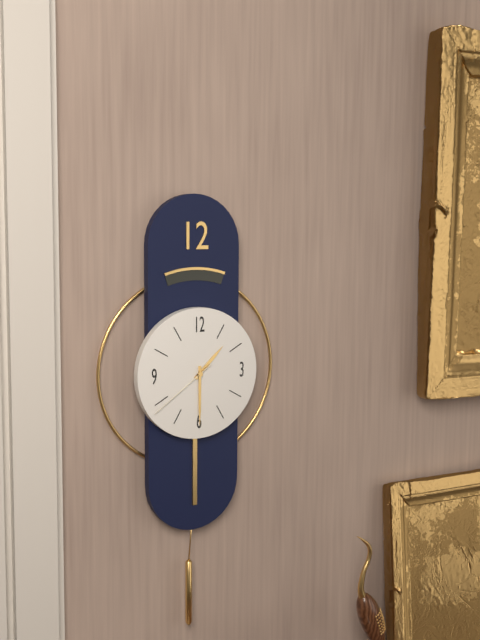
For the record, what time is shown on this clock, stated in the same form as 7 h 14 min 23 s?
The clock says 1 h 30 min 39 s
